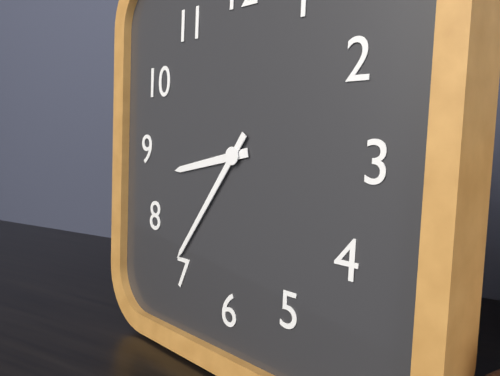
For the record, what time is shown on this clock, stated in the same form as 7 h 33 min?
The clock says 8 h 36 min
